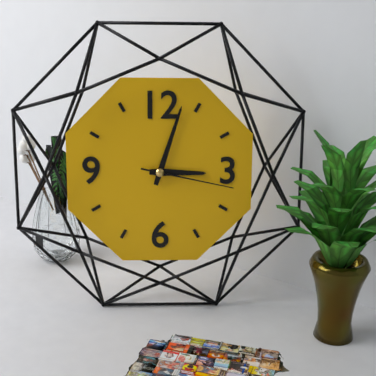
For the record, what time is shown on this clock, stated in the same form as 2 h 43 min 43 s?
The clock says 3 h 03 min 17 s
